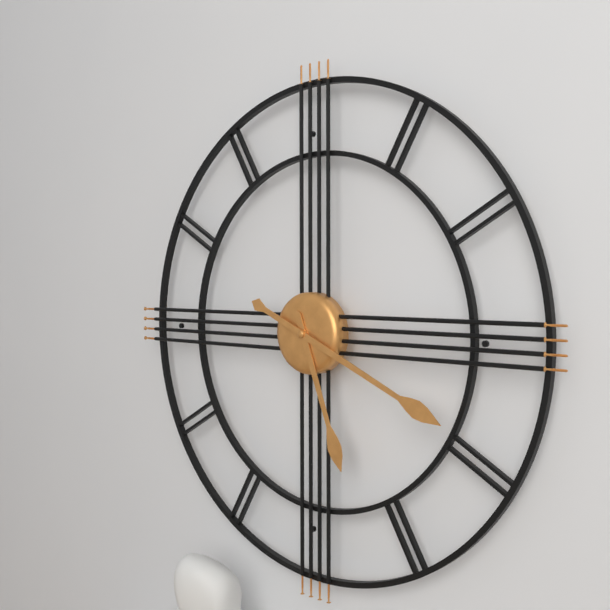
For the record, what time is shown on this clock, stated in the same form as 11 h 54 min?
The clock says 5 h 19 min
